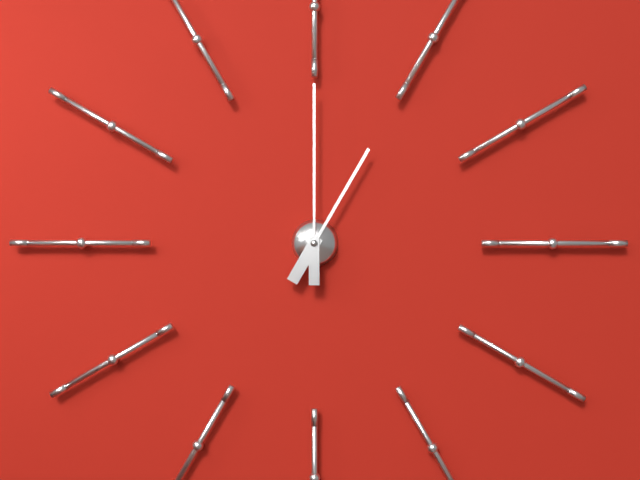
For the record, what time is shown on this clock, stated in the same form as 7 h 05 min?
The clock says 1 h 00 min
